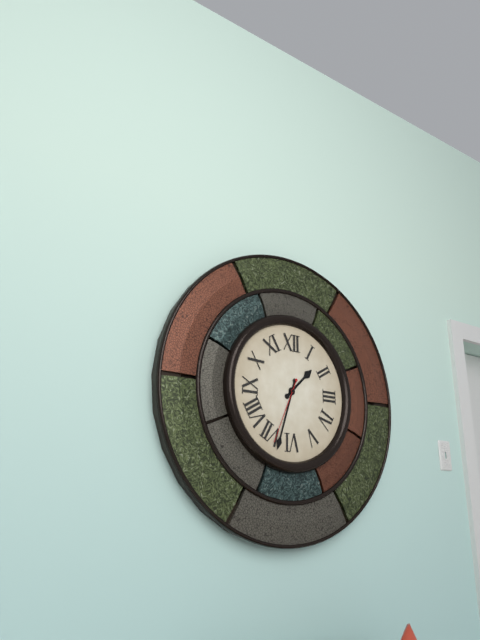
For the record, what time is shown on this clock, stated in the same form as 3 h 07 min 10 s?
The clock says 1 h 33 min 34 s
